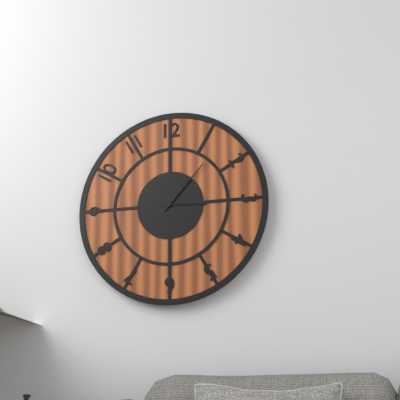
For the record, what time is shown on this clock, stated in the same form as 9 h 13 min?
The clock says 3 h 07 min
